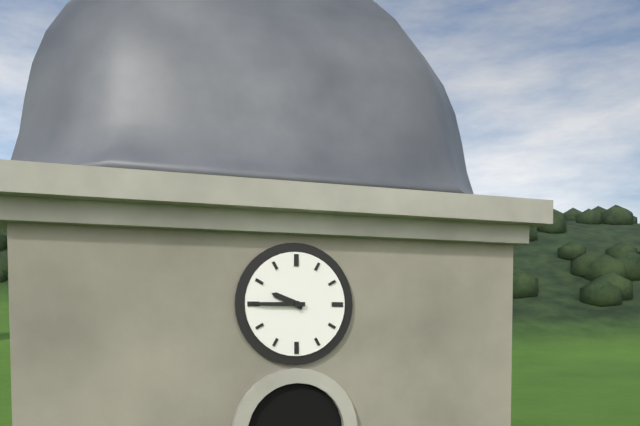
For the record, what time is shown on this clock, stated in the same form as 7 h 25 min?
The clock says 9 h 45 min
